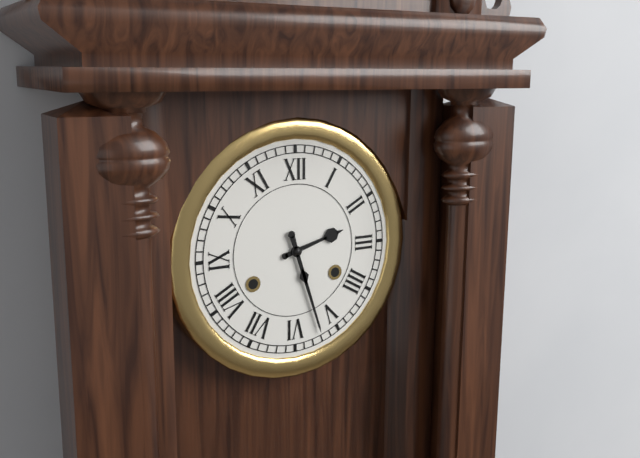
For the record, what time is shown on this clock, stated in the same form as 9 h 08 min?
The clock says 2 h 27 min
